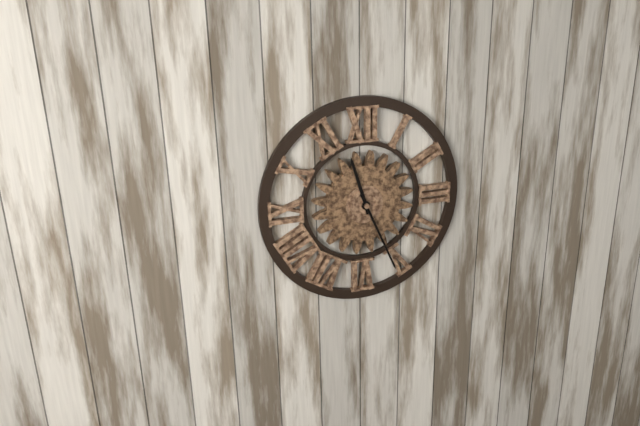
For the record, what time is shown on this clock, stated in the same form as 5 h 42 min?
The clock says 11 h 26 min
